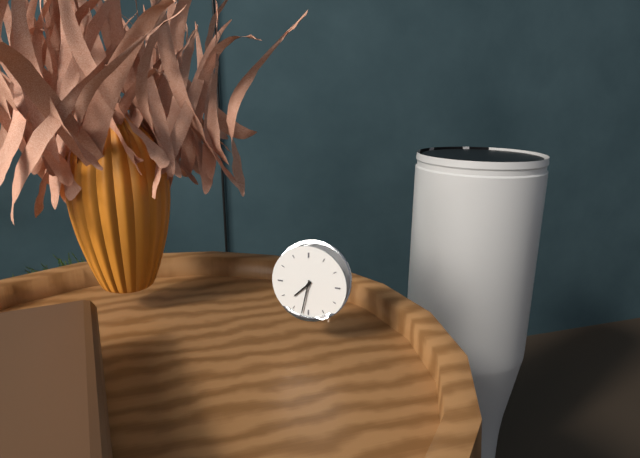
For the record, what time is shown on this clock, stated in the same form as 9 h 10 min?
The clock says 7 h 32 min
